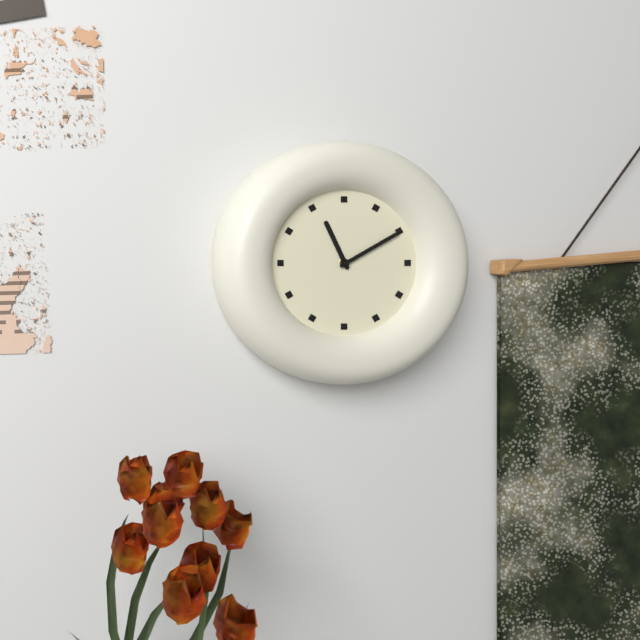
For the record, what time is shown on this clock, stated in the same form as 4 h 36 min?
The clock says 11 h 10 min
